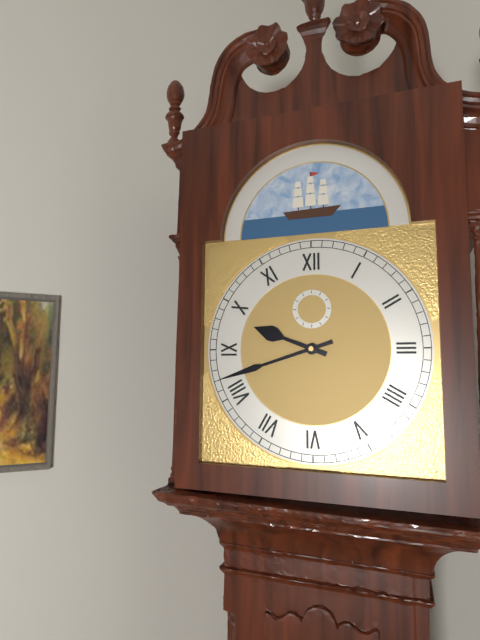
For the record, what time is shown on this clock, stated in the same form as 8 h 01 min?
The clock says 9 h 42 min
